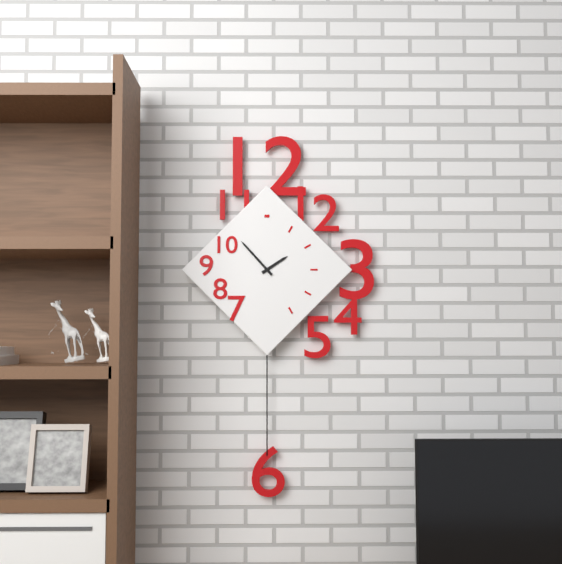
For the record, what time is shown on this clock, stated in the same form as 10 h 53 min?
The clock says 1 h 53 min
